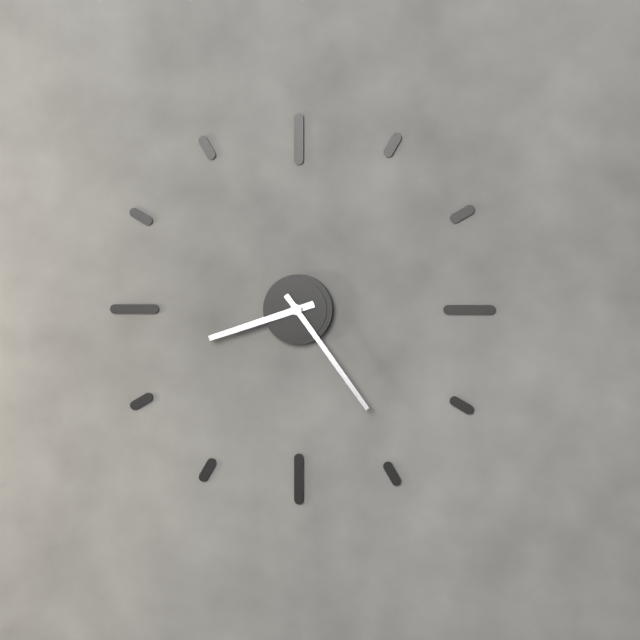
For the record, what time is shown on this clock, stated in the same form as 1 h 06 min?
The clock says 8 h 24 min
